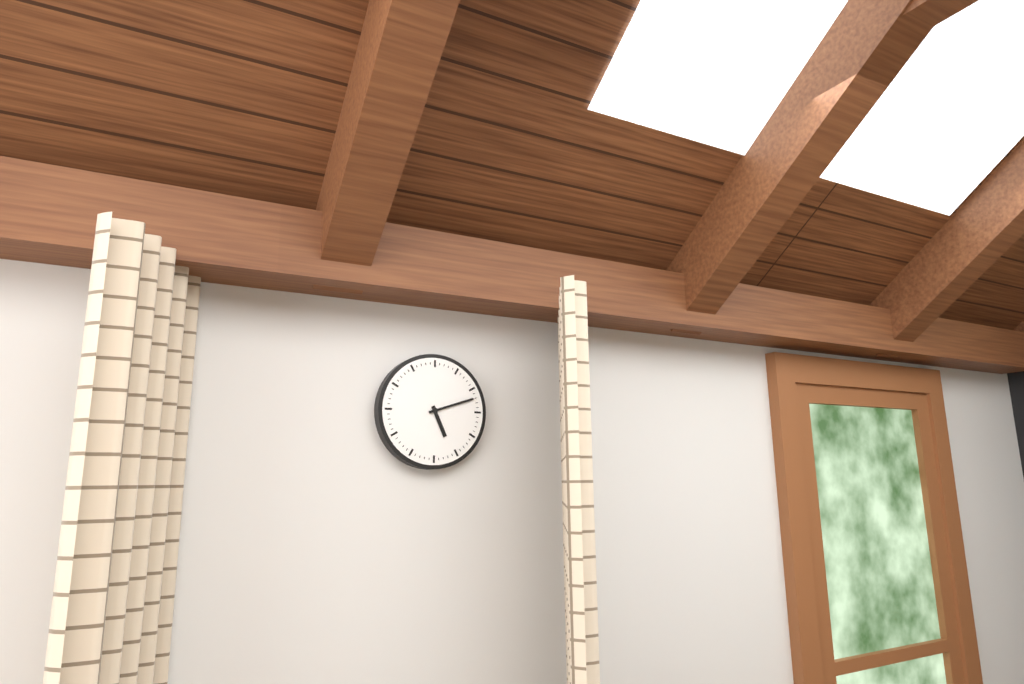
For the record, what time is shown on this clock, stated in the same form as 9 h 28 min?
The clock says 5 h 12 min
